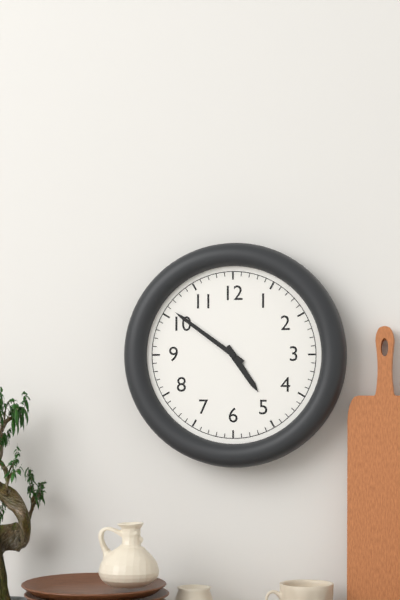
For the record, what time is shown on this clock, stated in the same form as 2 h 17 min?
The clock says 4 h 51 min
